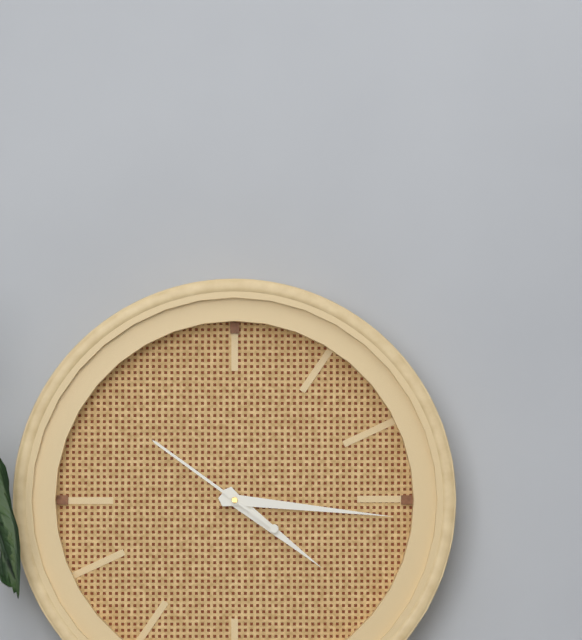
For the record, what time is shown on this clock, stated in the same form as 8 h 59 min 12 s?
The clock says 4 h 16 min 51 s
